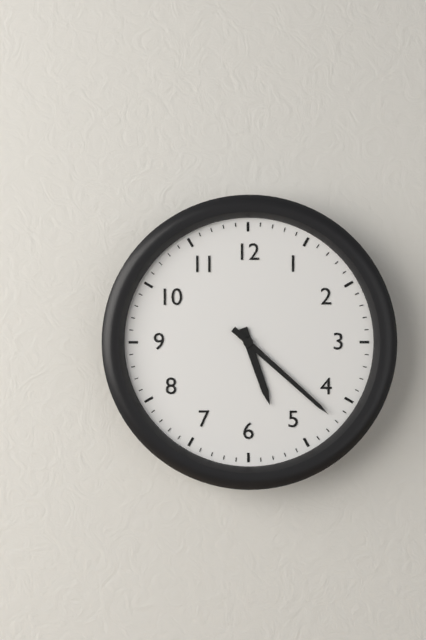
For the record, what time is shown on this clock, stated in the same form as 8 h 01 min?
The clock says 5 h 22 min
